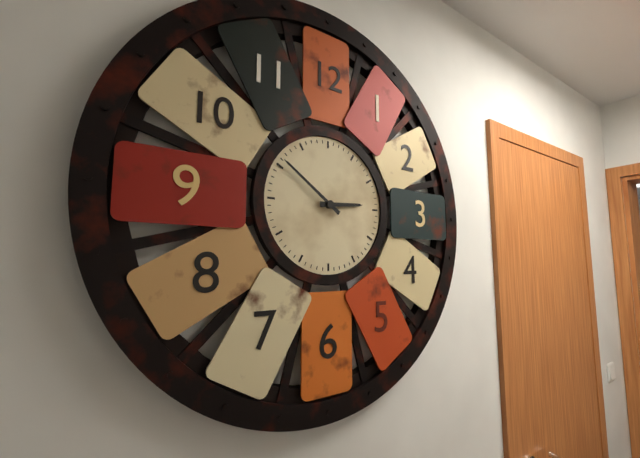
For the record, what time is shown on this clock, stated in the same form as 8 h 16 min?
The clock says 2 h 51 min
